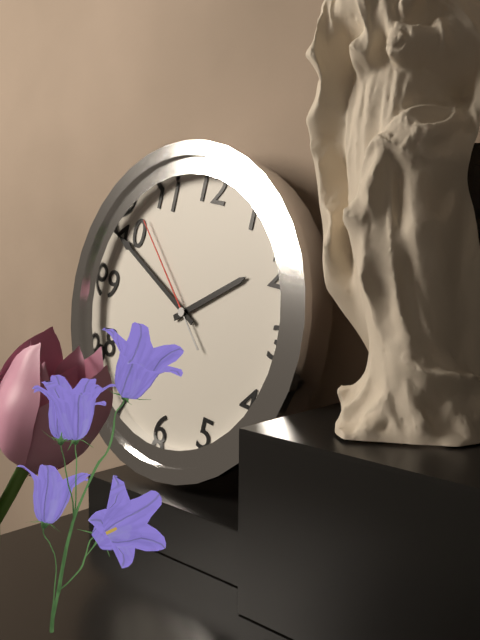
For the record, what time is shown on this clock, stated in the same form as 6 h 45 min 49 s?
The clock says 1 h 49 min 52 s
